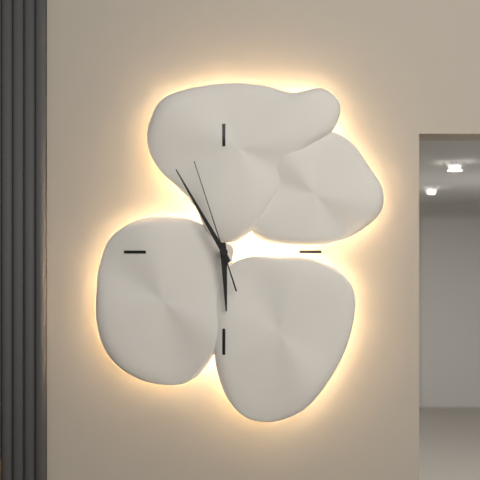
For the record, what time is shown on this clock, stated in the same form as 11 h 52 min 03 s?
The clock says 5 h 55 min 57 s
